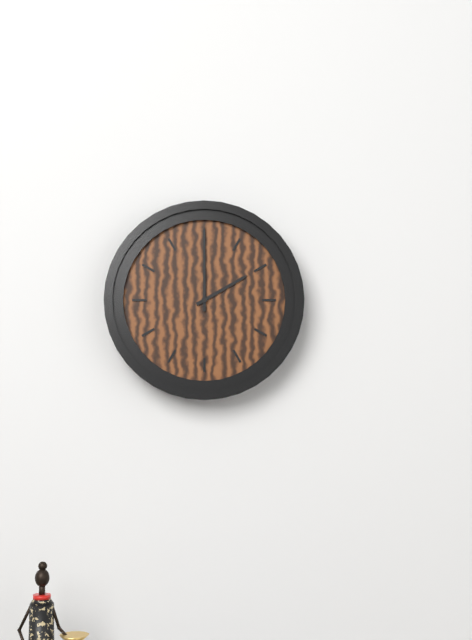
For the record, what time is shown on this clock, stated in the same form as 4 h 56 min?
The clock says 2 h 00 min
